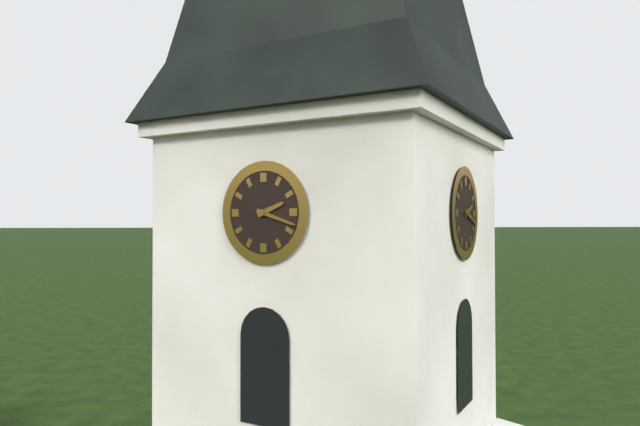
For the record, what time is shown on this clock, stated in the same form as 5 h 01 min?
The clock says 2 h 18 min
